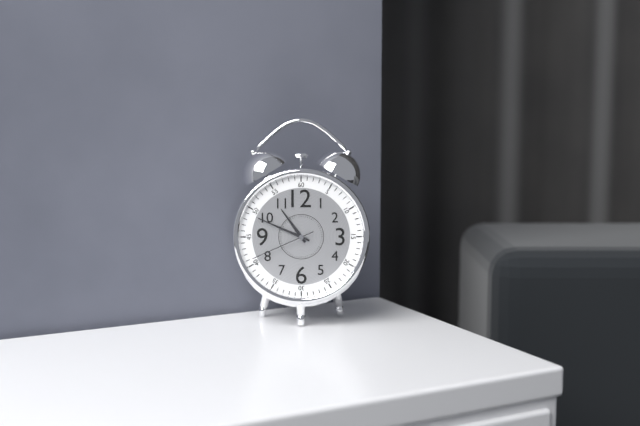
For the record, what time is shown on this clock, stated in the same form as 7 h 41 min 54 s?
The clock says 10 h 49 min 41 s
